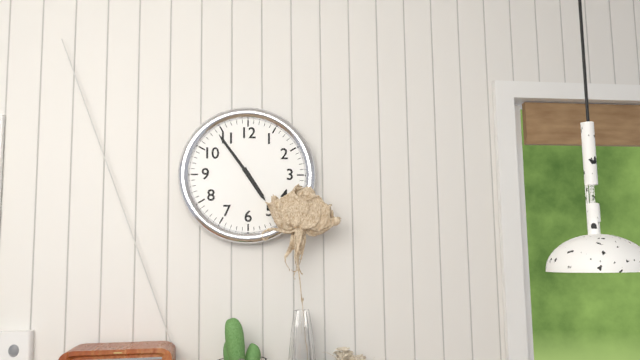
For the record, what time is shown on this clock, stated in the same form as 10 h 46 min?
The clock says 4 h 54 min
